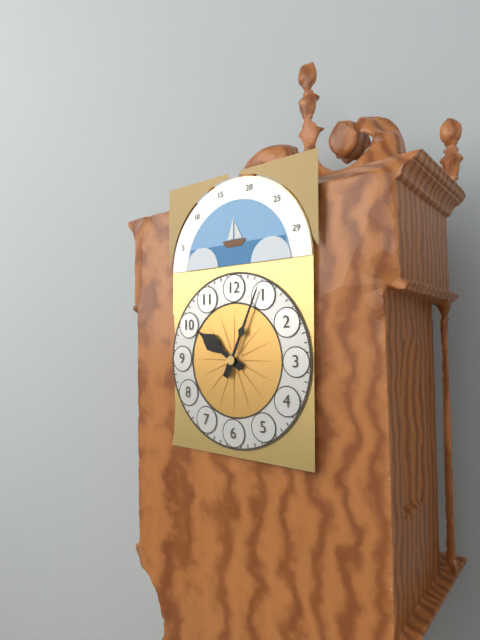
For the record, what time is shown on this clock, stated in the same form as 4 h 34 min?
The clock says 10 h 04 min
